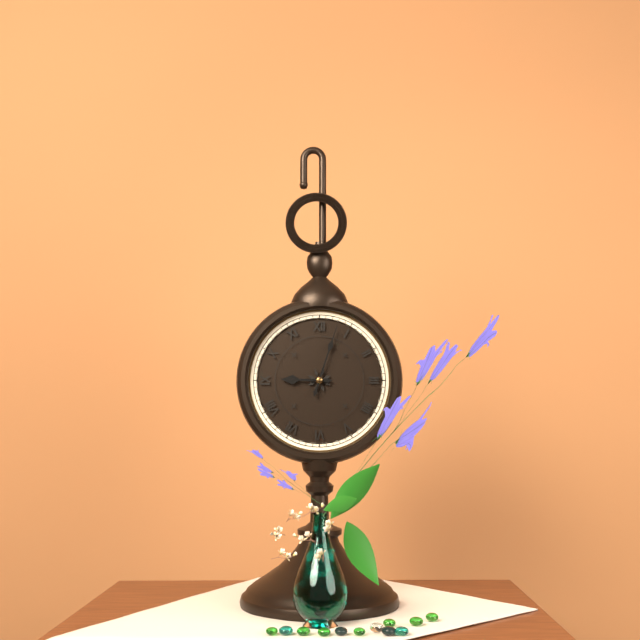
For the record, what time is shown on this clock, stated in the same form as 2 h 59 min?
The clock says 9 h 03 min
